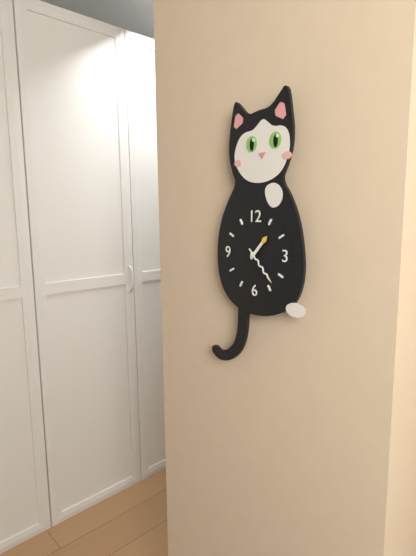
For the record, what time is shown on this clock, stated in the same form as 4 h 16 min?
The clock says 1 h 23 min
